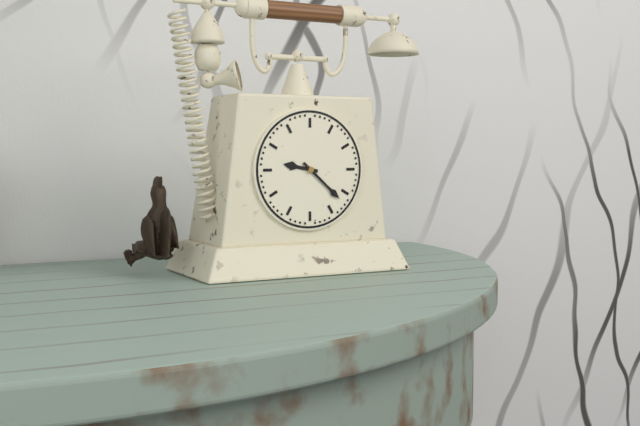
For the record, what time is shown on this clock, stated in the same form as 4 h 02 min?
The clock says 9 h 22 min
